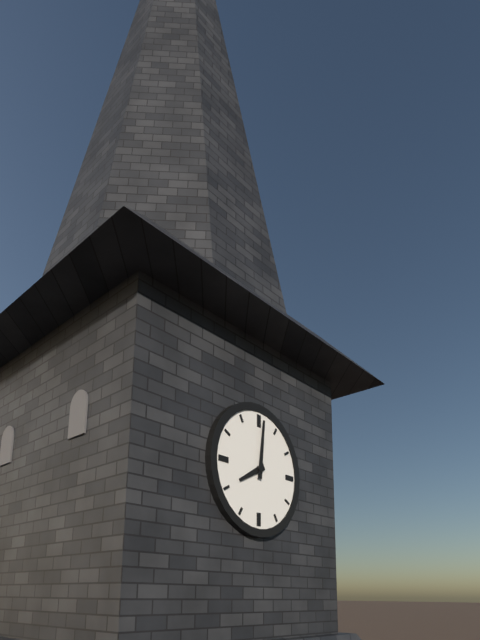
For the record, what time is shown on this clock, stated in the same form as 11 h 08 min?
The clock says 8 h 01 min
